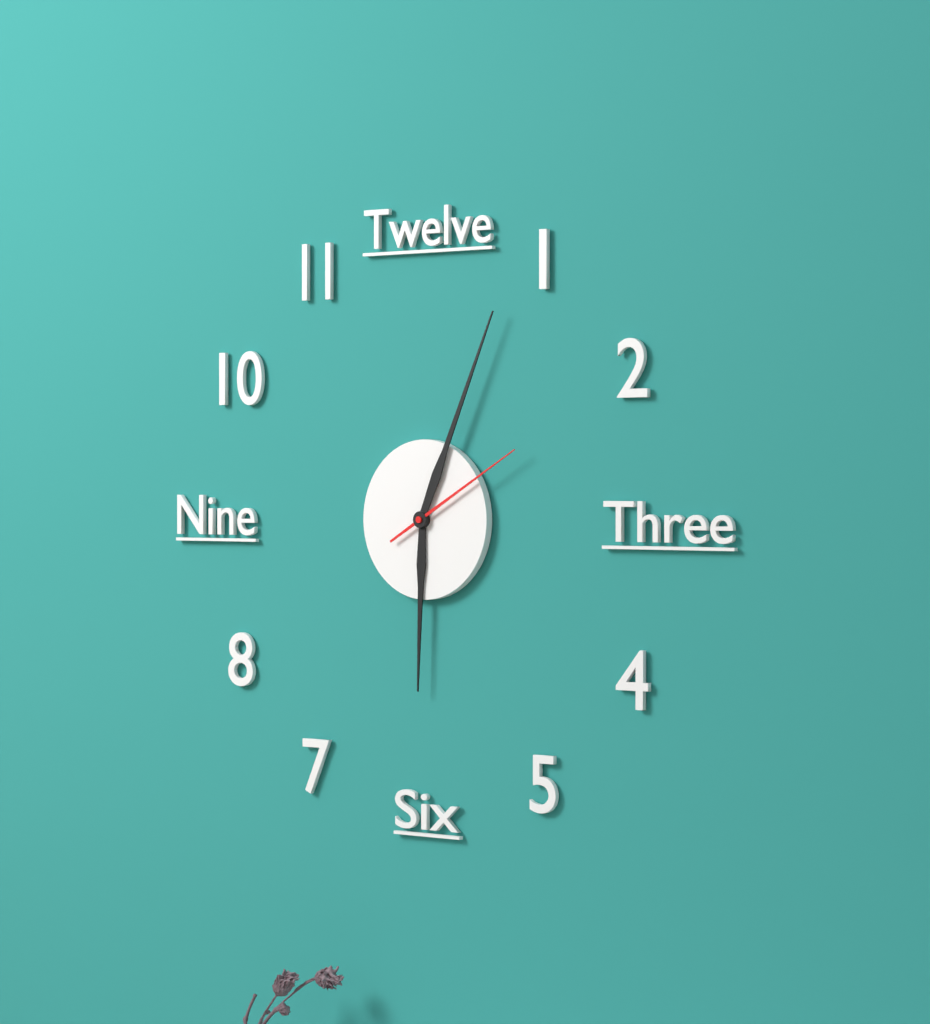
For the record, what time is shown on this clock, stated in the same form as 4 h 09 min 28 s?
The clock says 6 h 04 min 10 s
